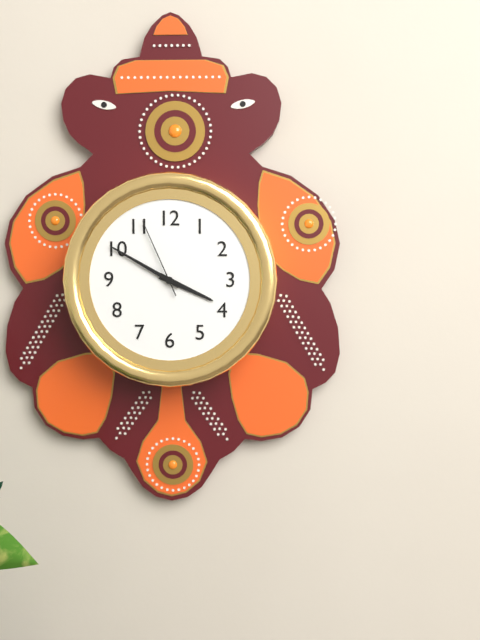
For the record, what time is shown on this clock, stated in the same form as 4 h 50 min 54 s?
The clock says 3 h 50 min 56 s
